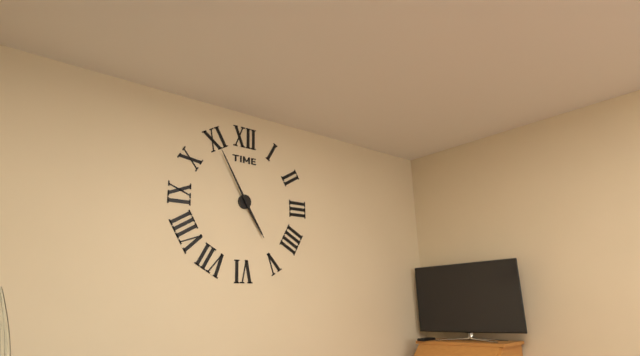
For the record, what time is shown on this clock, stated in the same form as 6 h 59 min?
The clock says 4 h 55 min
